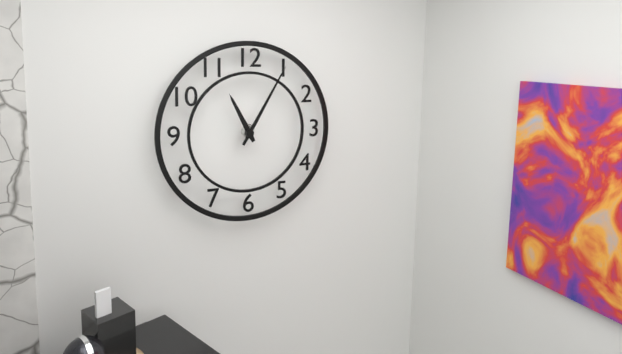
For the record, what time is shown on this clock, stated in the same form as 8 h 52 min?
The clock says 11 h 05 min
